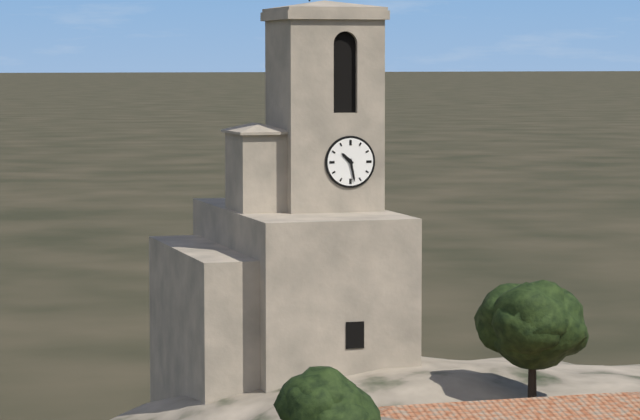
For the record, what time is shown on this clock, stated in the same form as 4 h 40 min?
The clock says 10 h 28 min
